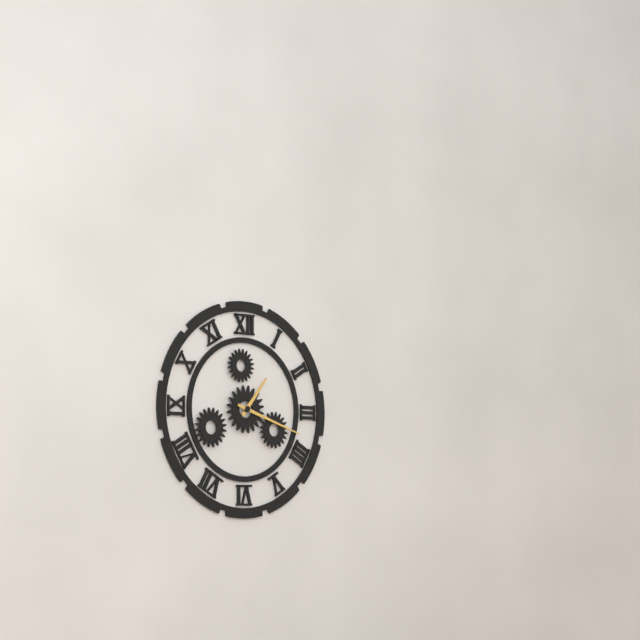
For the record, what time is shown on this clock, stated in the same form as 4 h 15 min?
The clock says 1 h 18 min
